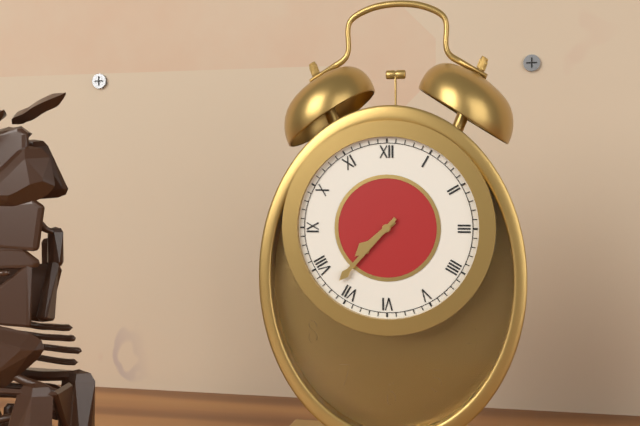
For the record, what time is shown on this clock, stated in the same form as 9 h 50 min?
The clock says 7 h 37 min
